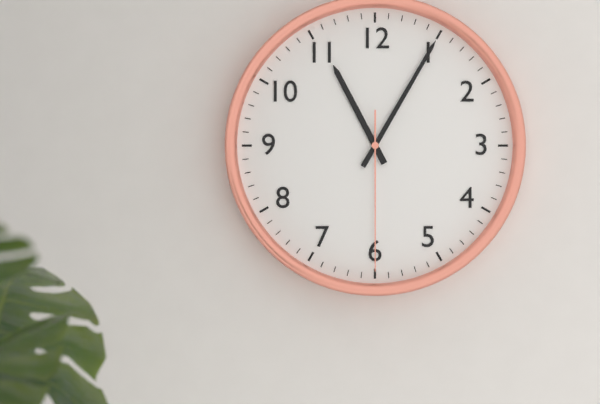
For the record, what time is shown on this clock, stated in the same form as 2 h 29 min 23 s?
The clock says 11 h 05 min 30 s
